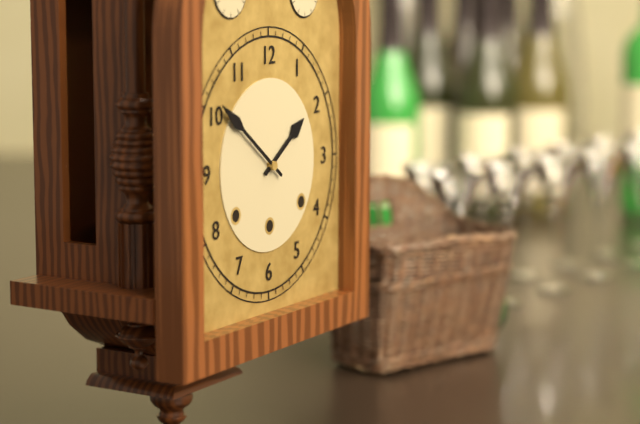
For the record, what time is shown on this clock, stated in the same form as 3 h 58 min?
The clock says 1 h 51 min
